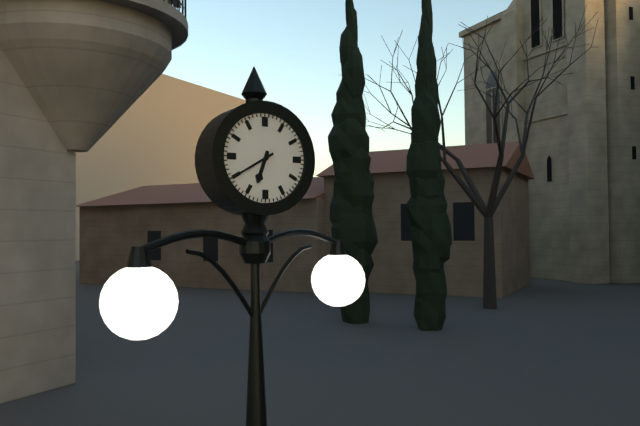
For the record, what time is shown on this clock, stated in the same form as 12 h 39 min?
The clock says 6 h 40 min
